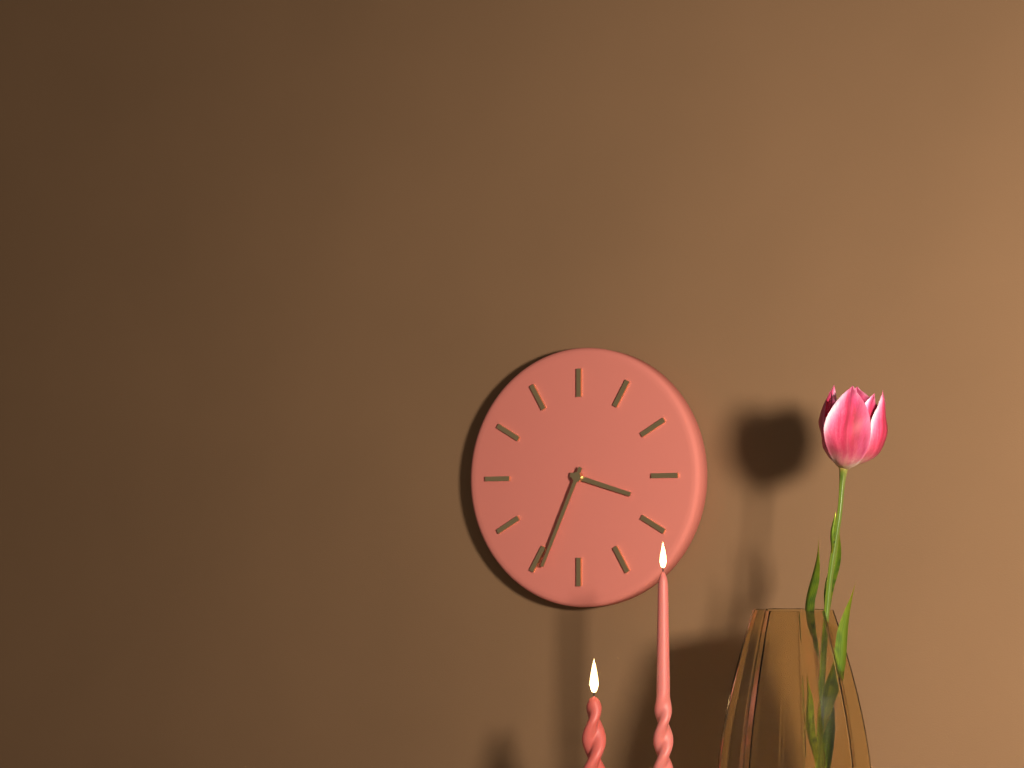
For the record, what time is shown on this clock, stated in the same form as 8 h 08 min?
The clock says 3 h 34 min
